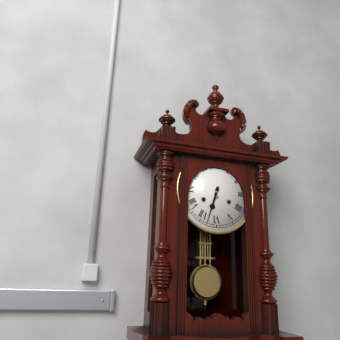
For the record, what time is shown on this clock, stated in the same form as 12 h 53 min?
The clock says 6 h 33 min
